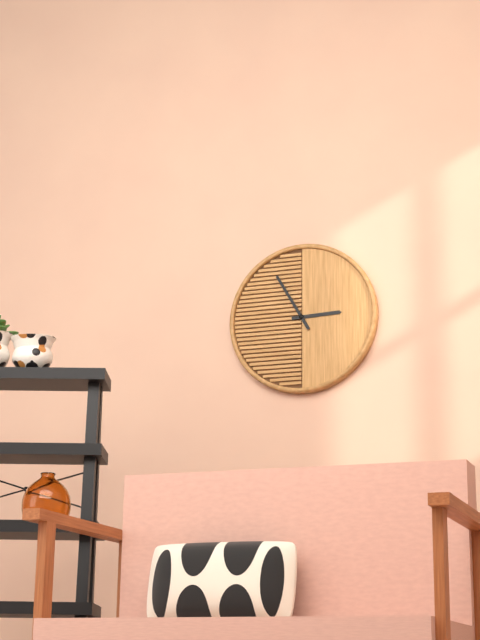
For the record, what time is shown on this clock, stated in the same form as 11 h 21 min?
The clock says 2 h 55 min
